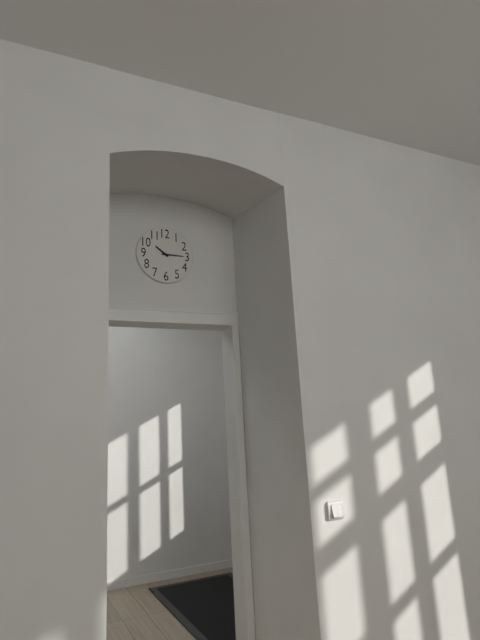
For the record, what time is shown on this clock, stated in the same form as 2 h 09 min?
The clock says 10 h 15 min
